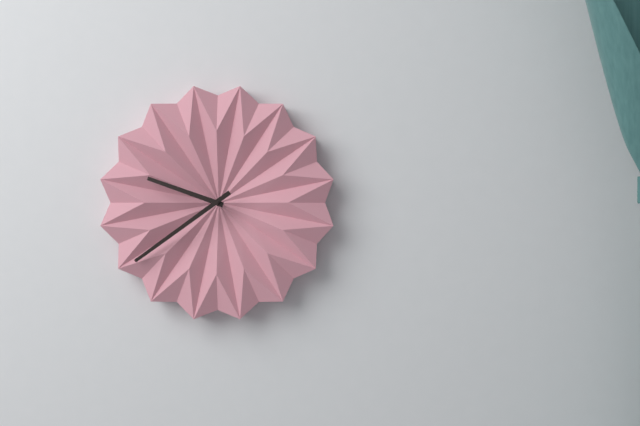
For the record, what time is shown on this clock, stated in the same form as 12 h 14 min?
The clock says 9 h 39 min
